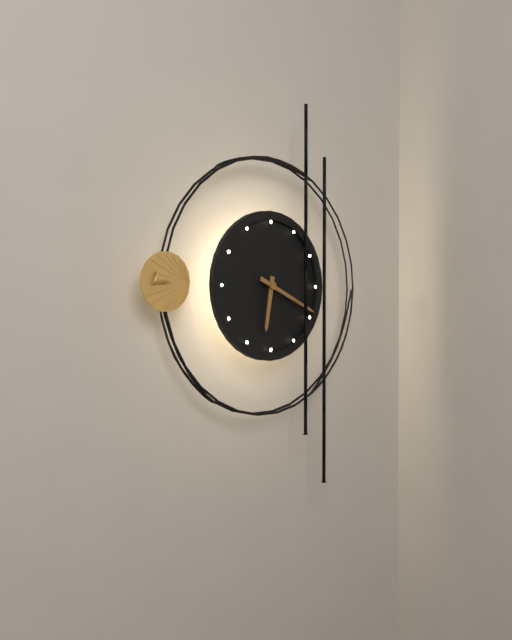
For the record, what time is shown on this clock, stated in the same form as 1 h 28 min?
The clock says 6 h 19 min
